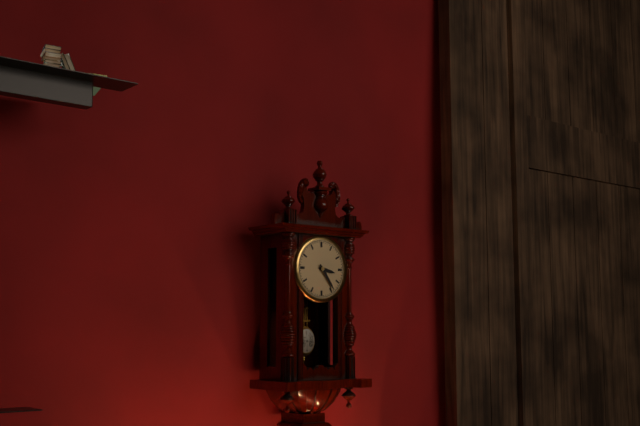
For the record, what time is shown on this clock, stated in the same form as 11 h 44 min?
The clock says 3 h 24 min
